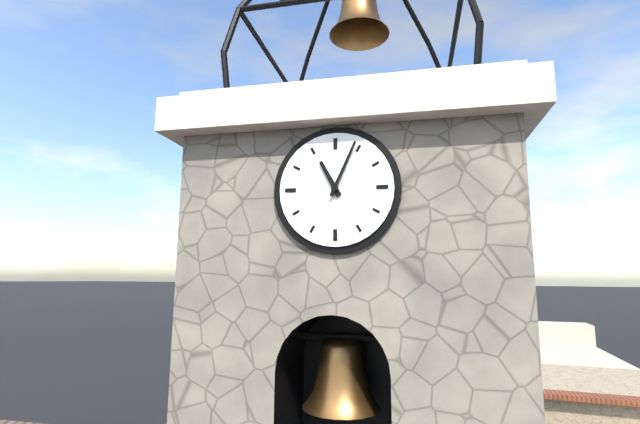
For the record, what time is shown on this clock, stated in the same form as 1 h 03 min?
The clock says 11 h 04 min
